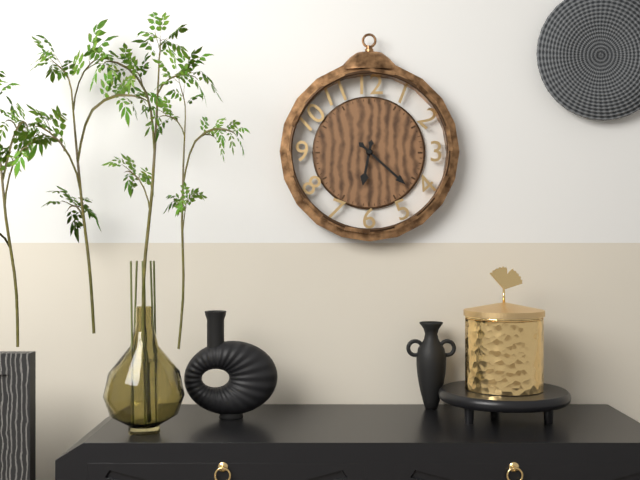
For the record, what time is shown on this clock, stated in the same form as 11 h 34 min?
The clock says 6 h 22 min
